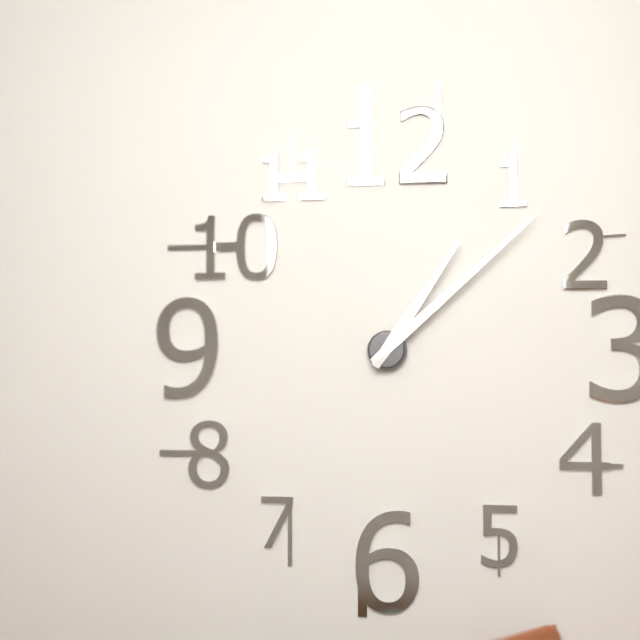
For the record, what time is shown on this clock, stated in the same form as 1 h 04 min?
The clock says 1 h 08 min
